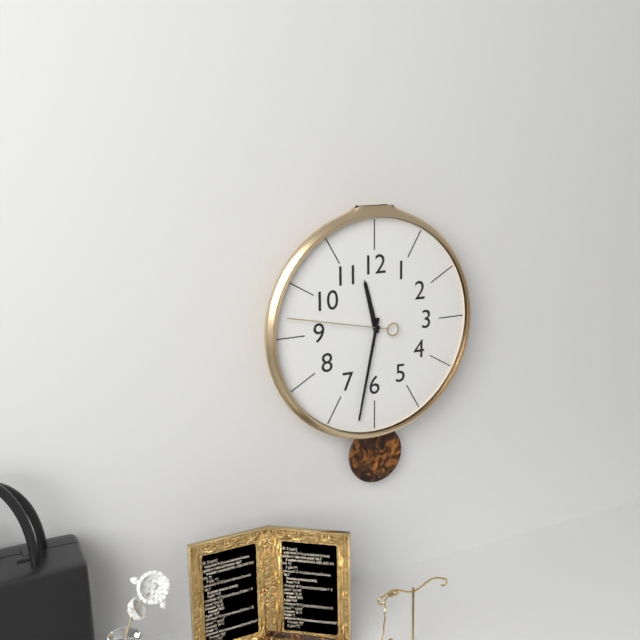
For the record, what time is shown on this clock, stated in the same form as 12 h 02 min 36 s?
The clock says 11 h 32 min 47 s
